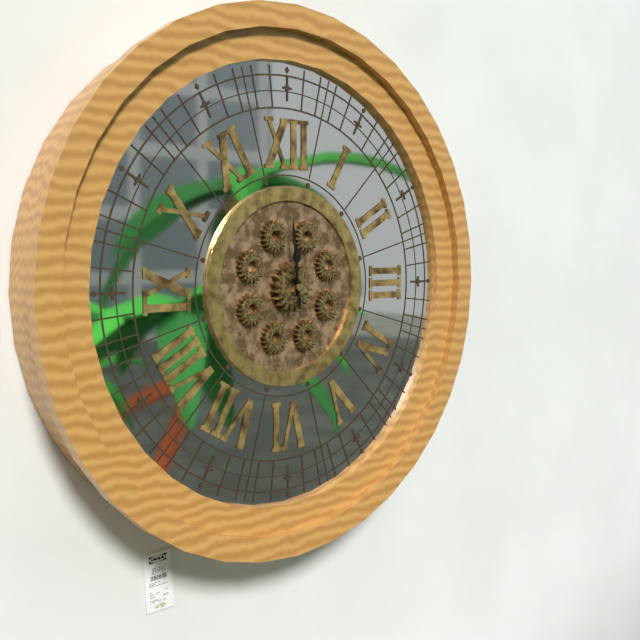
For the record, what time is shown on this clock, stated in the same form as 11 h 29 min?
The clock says 11 h 59 min
